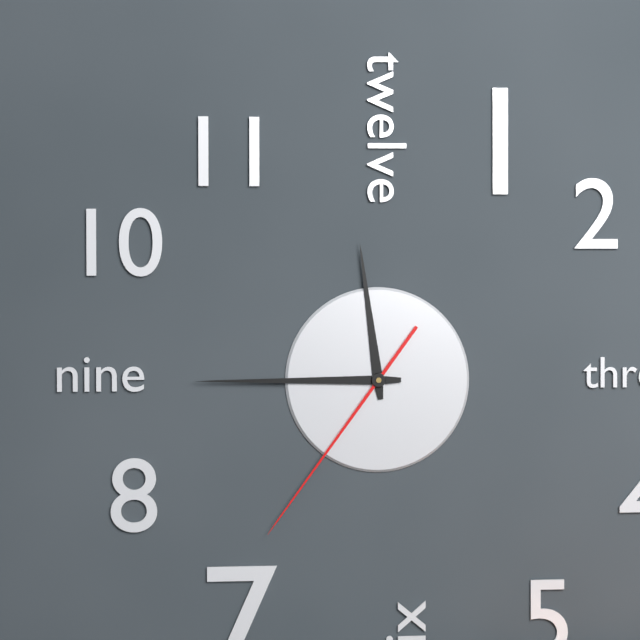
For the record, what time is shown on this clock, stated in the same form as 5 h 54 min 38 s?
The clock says 11 h 45 min 36 s
